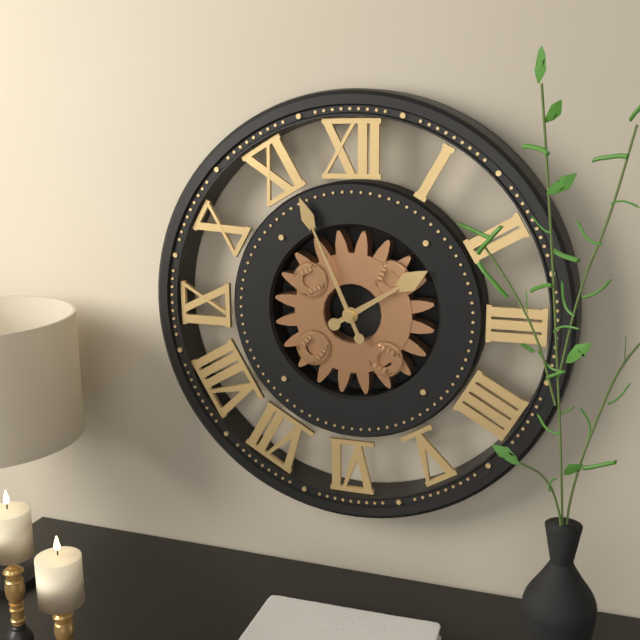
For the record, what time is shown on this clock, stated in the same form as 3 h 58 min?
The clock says 1 h 56 min
